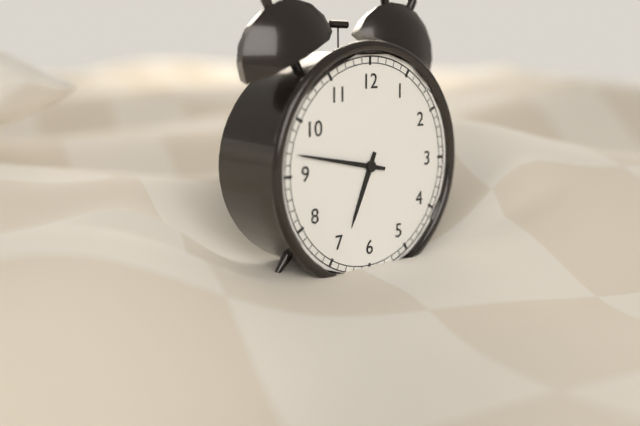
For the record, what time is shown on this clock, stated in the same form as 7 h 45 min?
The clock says 6 h 47 min
